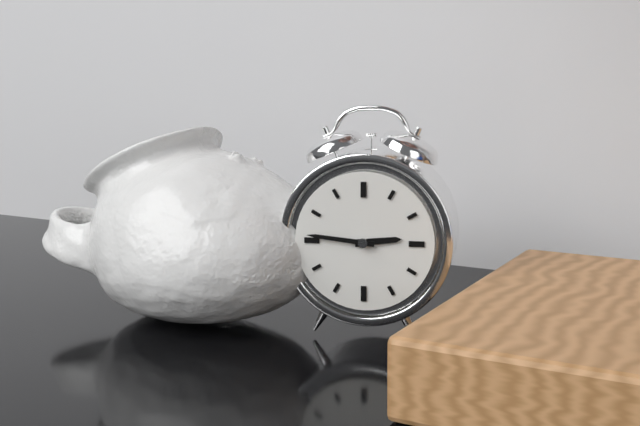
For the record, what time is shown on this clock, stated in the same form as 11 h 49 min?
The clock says 2 h 46 min
